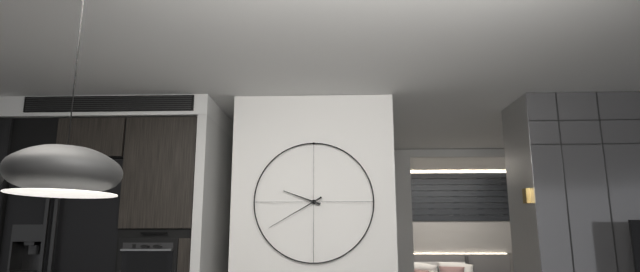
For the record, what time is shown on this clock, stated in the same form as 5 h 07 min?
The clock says 9 h 40 min
